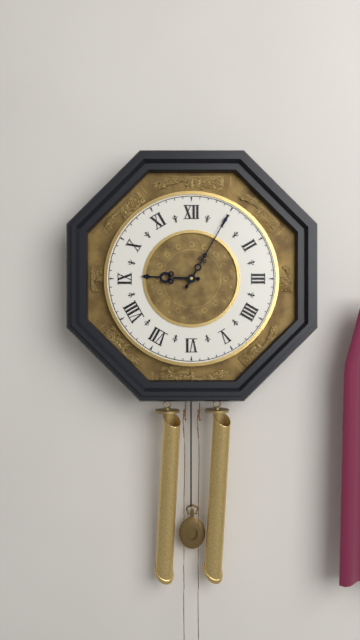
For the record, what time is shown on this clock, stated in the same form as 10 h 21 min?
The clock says 9 h 05 min
